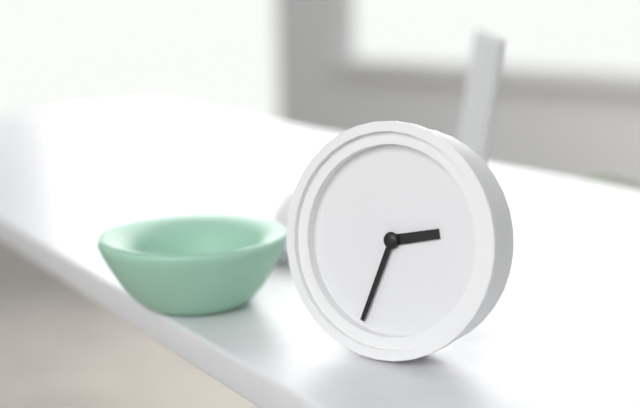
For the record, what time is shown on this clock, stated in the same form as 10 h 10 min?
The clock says 2 h 33 min
